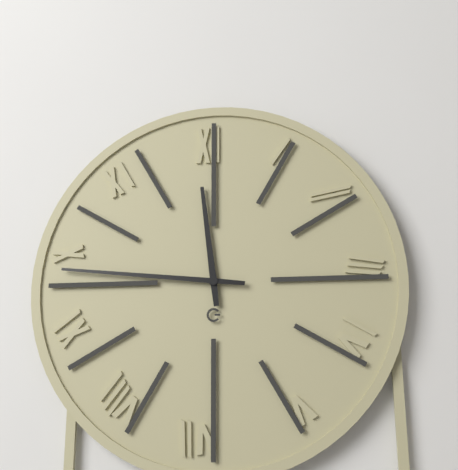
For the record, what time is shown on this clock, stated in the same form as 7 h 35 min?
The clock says 11 h 46 min
